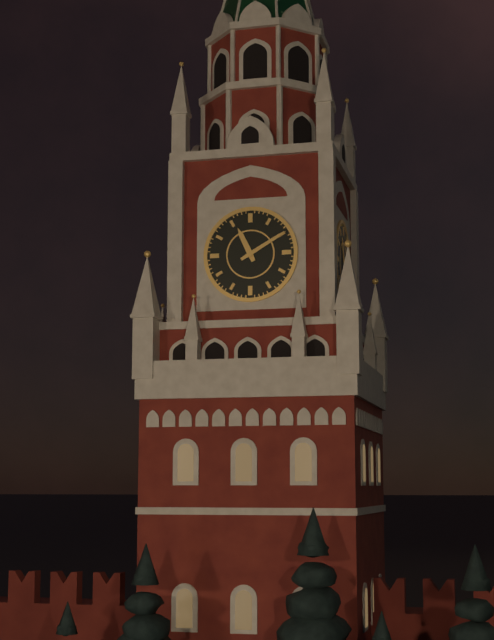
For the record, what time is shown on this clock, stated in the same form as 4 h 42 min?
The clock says 11 h 10 min
